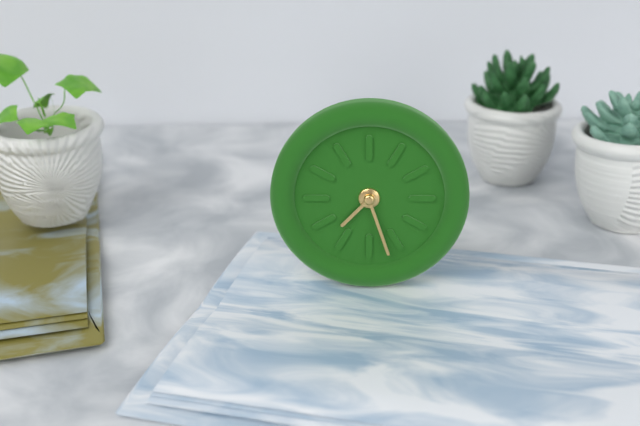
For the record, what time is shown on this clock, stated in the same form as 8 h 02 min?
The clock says 7 h 27 min
